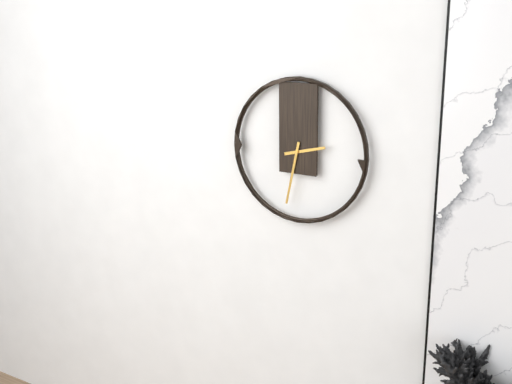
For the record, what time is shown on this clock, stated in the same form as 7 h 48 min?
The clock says 2 h 32 min
